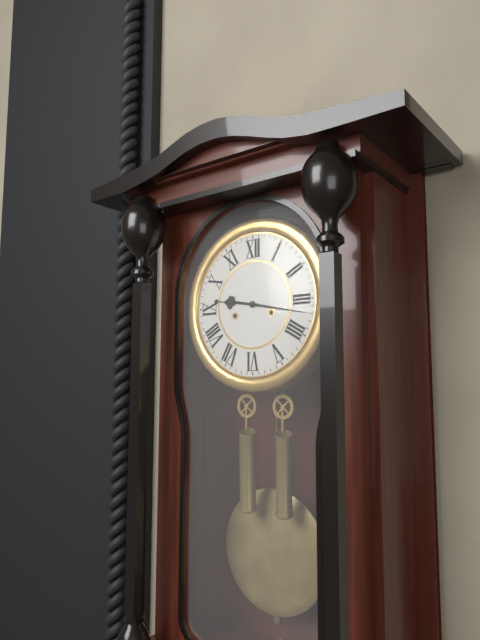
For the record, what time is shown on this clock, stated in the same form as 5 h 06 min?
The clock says 9 h 17 min
